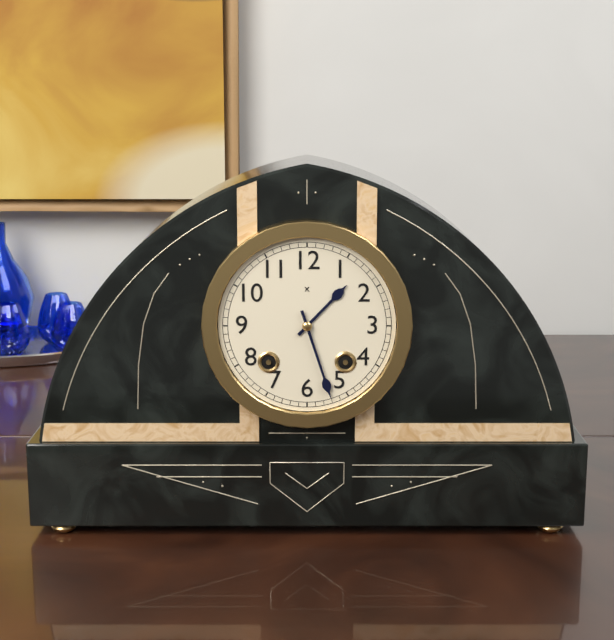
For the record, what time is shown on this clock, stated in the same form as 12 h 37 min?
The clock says 1 h 27 min
